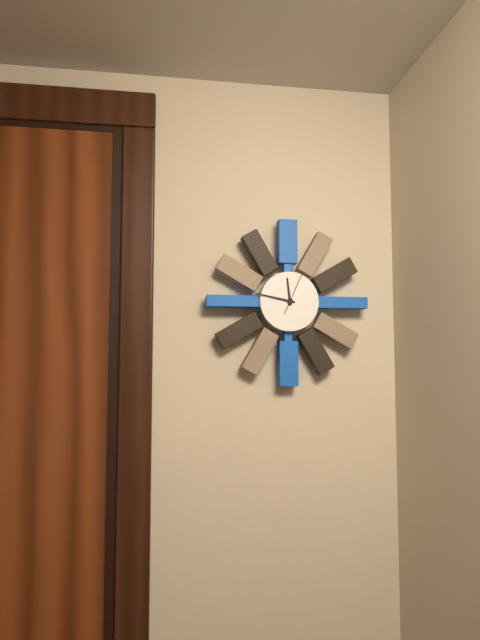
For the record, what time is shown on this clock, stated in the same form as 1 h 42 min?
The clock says 11 h 47 min
